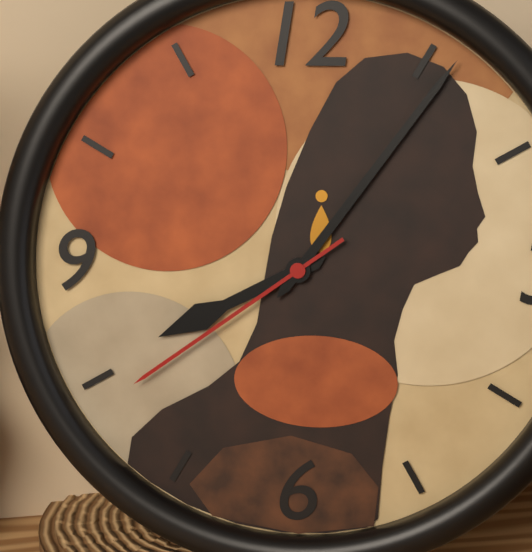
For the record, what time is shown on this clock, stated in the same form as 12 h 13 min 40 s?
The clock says 8 h 06 min 39 s
